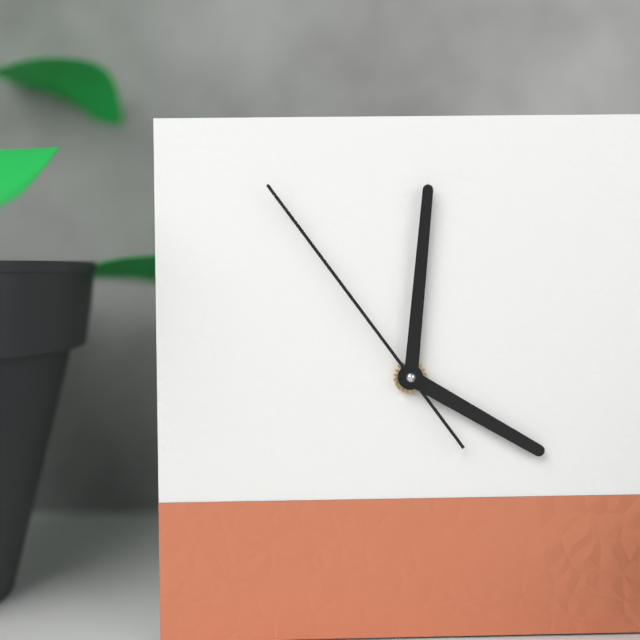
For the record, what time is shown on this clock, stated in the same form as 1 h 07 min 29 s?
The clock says 4 h 01 min 54 s
